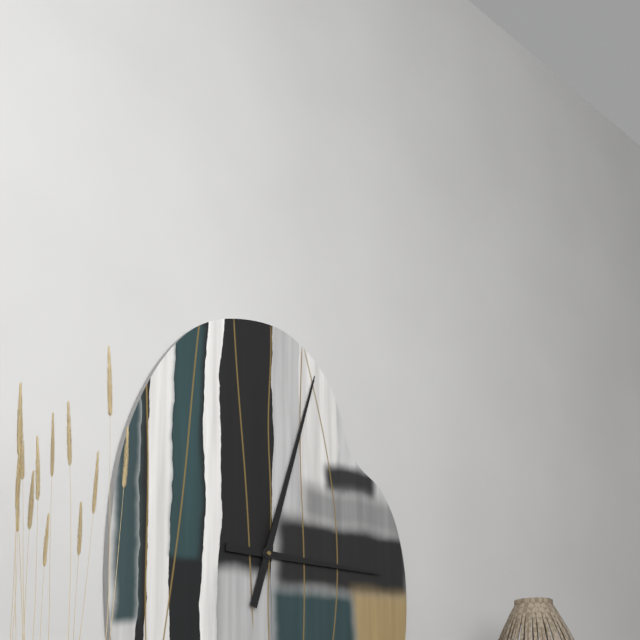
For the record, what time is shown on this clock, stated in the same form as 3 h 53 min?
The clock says 3 h 03 min
